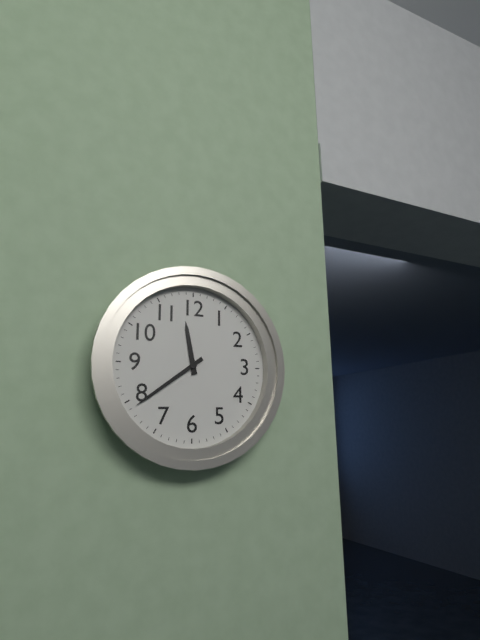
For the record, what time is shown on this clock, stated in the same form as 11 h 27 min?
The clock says 11 h 39 min
